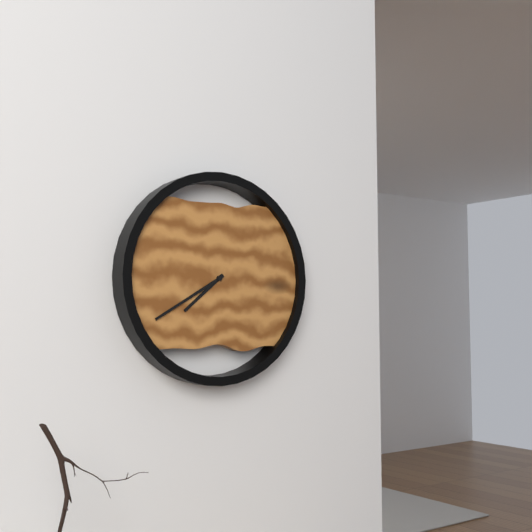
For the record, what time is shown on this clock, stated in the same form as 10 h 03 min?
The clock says 7 h 40 min
